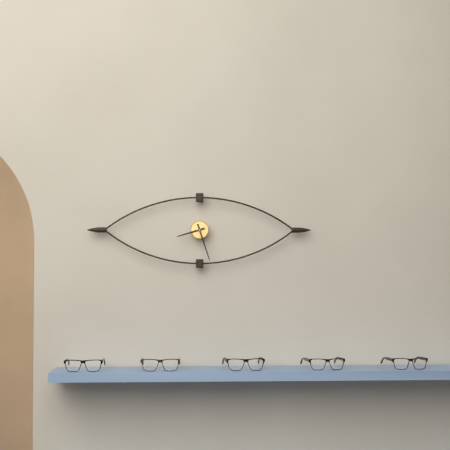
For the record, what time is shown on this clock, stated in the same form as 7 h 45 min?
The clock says 8 h 27 min
